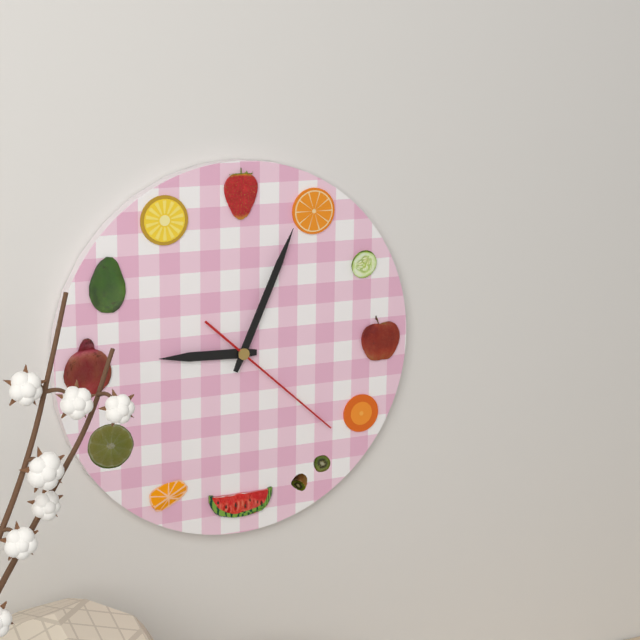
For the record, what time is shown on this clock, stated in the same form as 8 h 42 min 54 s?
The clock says 9 h 04 min 22 s
